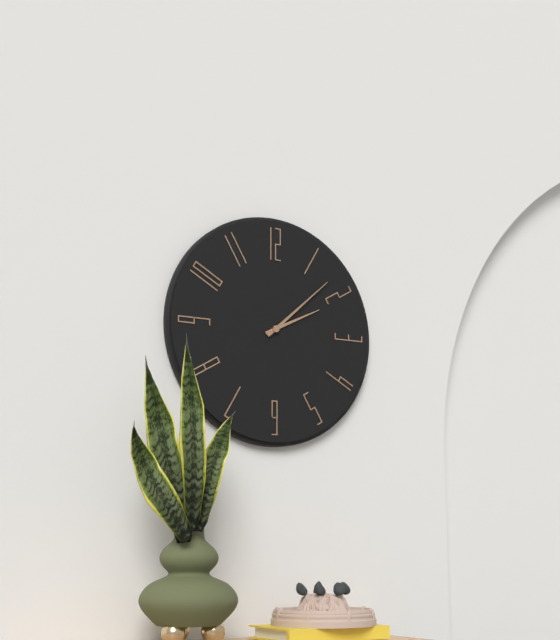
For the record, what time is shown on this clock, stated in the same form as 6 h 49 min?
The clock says 2 h 08 min
